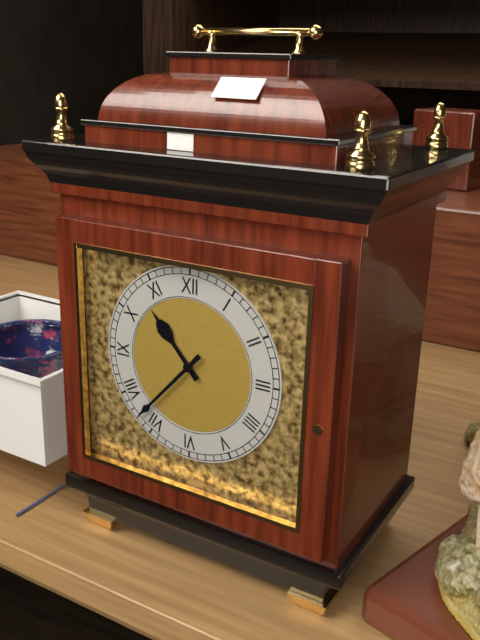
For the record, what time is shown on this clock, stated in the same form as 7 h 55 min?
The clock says 10 h 37 min
